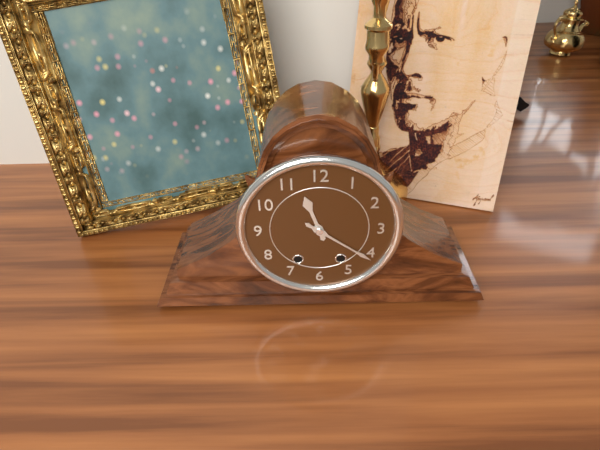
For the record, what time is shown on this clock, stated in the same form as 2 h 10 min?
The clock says 11 h 21 min
